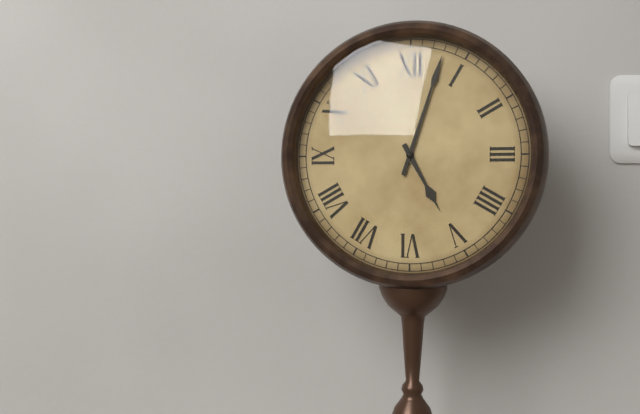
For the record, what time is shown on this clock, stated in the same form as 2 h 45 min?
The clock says 5 h 03 min
